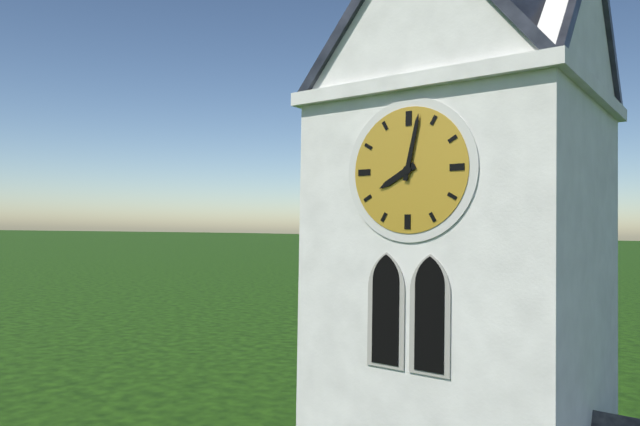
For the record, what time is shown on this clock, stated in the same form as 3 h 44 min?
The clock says 8 h 02 min
